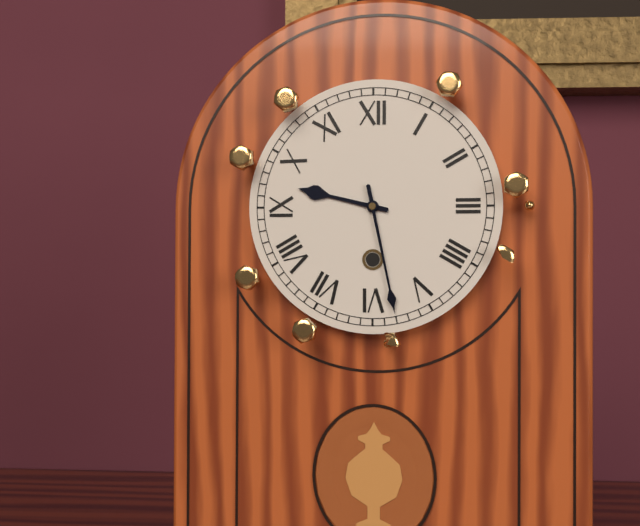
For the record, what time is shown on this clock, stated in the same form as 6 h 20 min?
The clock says 9 h 28 min
